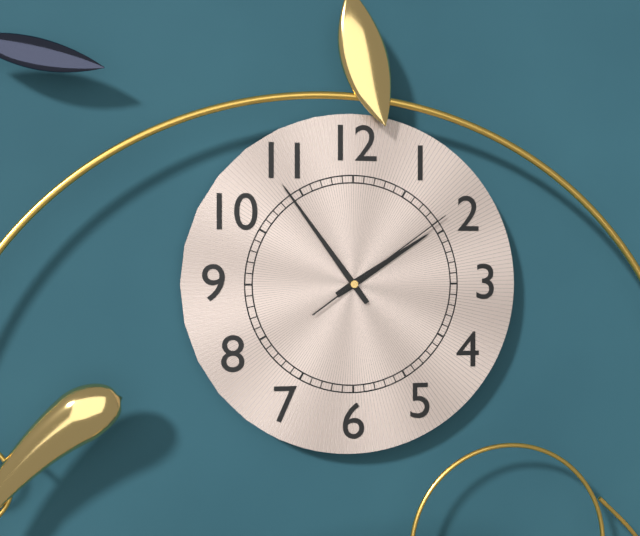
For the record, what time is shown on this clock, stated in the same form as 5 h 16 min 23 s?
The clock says 1 h 54 min 09 s
